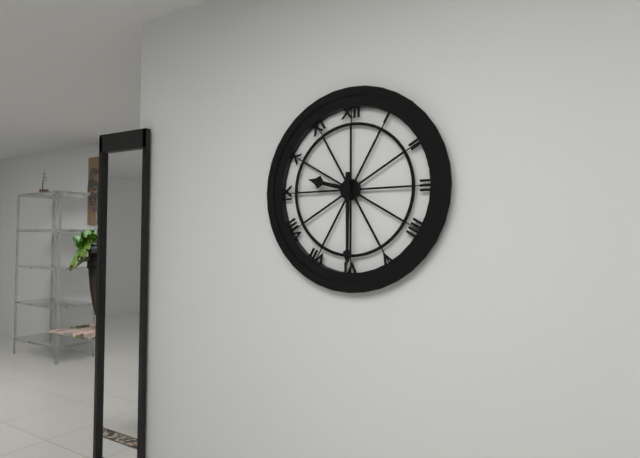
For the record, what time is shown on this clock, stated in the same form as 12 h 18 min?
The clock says 9 h 30 min
